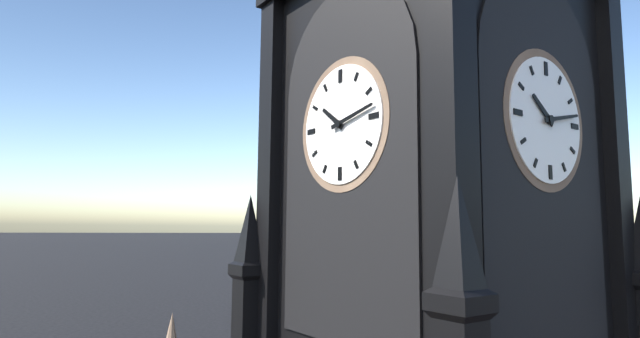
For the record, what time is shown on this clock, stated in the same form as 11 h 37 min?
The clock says 10 h 13 min
